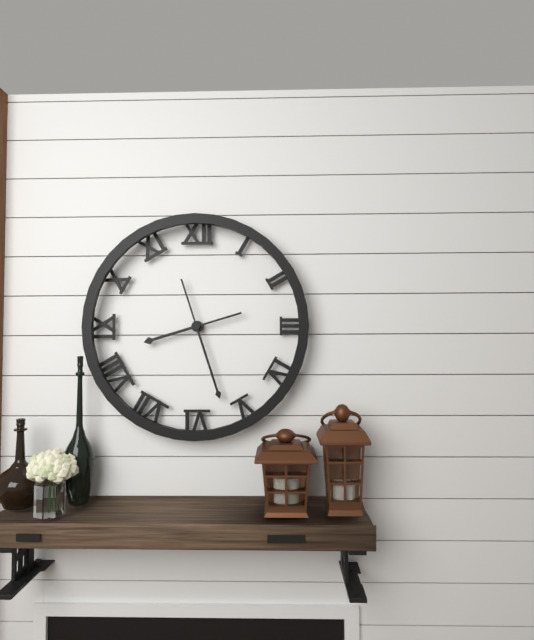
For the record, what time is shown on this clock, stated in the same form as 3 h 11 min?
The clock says 8 h 27 min
